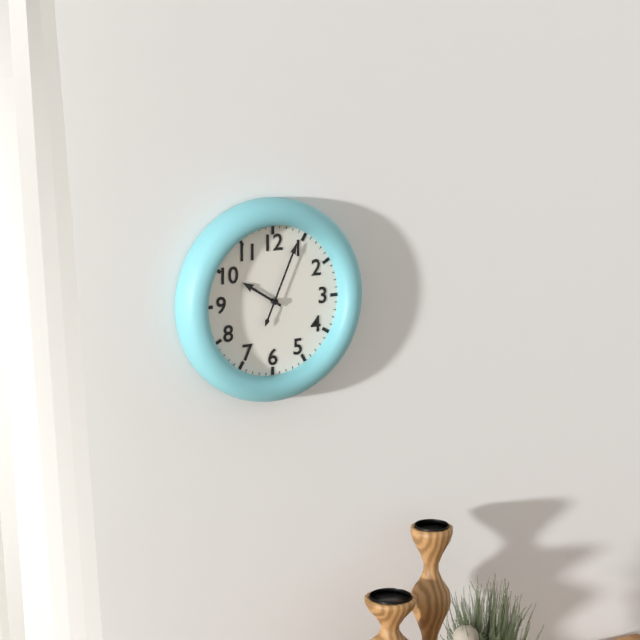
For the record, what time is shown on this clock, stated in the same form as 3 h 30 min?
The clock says 10 h 04 min
